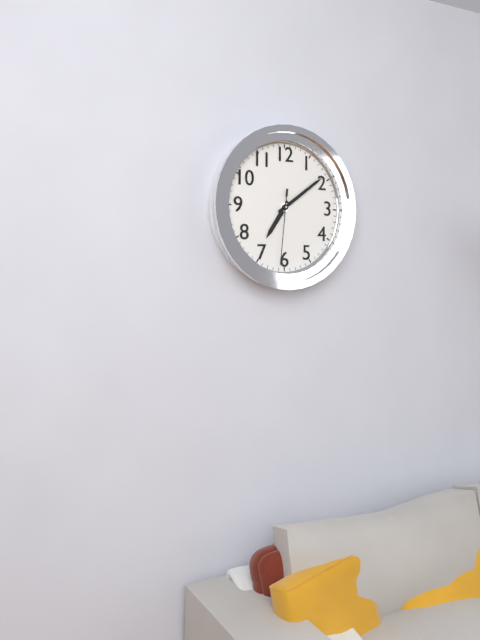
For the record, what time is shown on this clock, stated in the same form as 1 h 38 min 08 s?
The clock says 7 h 09 min 31 s
